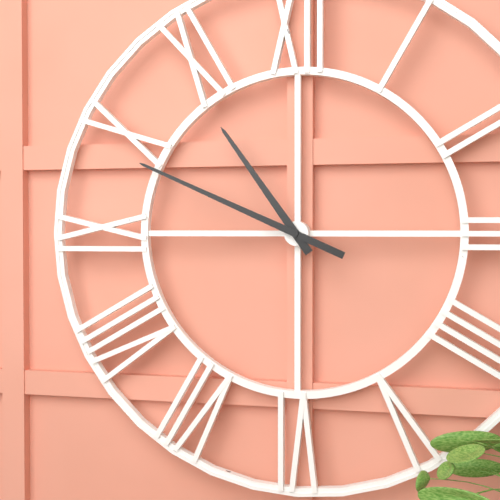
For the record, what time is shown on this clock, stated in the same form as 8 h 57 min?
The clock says 10 h 49 min
